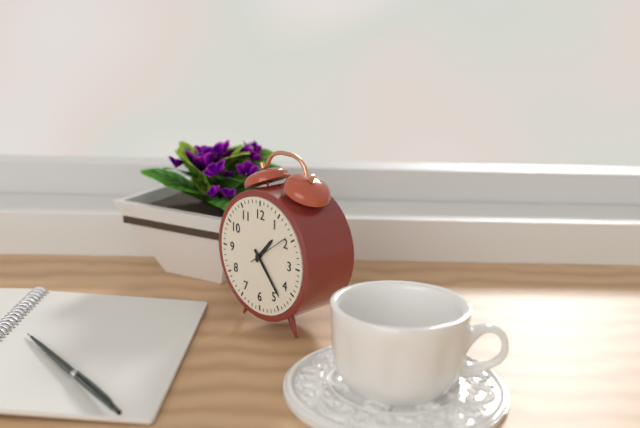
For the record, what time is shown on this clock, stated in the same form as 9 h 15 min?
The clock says 1 h 23 min
